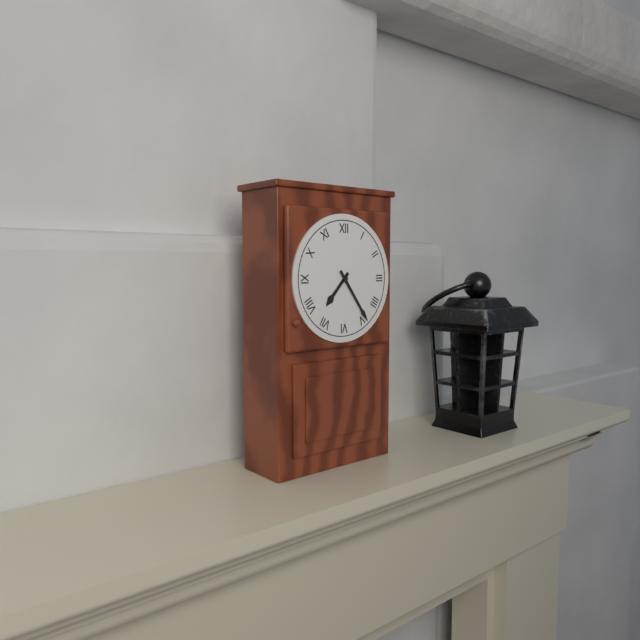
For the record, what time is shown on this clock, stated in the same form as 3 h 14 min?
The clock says 7 h 24 min
